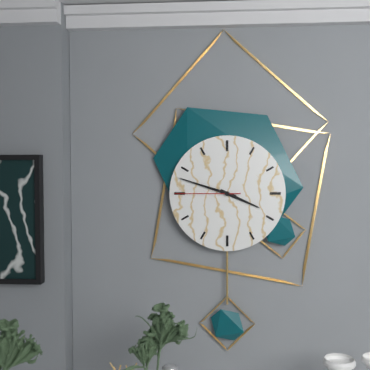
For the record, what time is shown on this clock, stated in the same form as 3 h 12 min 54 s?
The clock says 3 h 48 min 45 s
